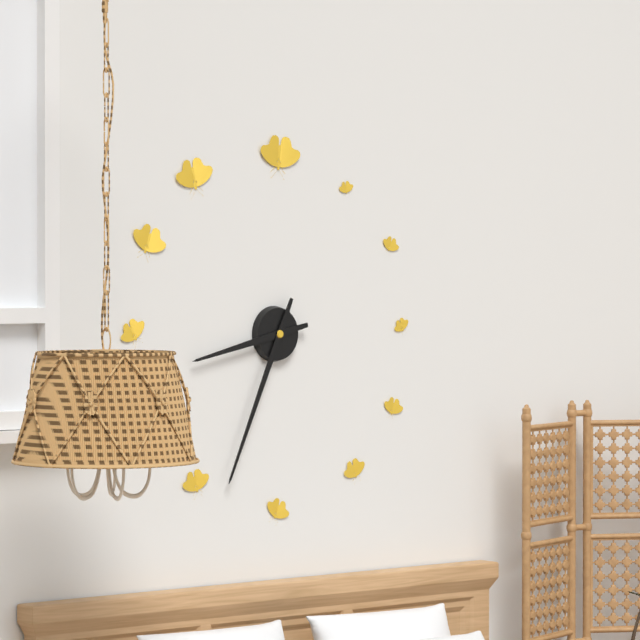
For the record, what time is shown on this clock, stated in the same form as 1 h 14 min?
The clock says 8 h 34 min
